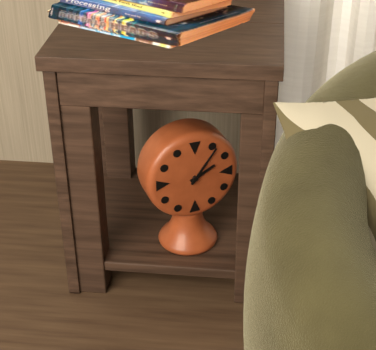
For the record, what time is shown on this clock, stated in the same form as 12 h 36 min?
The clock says 2 h 06 min
